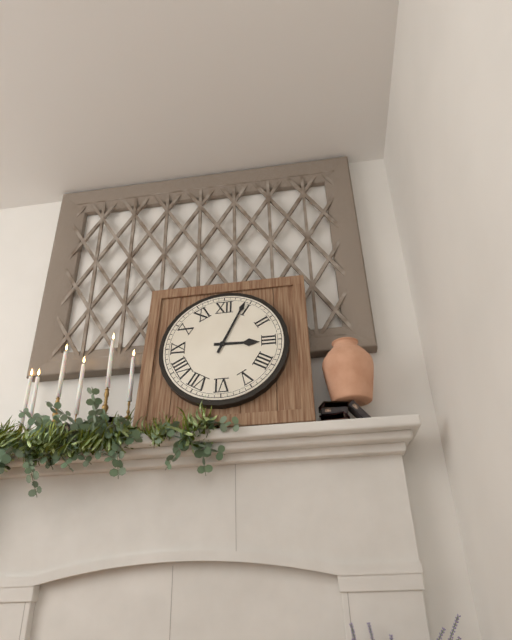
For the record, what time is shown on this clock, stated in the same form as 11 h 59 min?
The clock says 3 h 04 min
